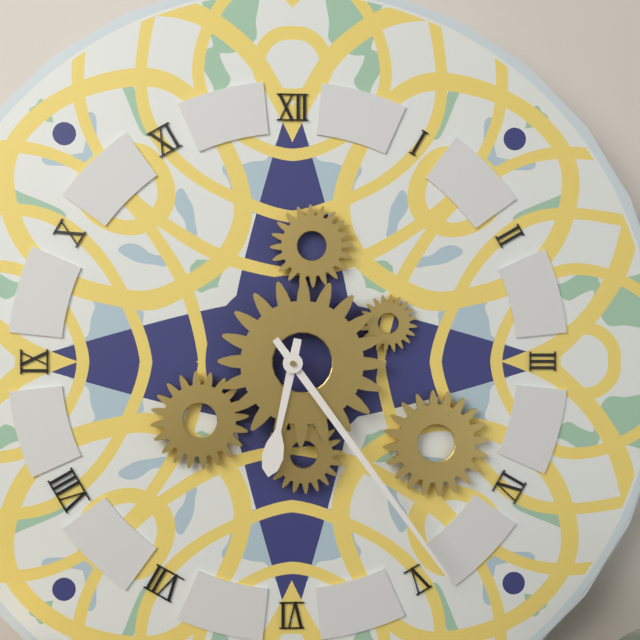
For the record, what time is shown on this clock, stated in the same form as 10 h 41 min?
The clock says 6 h 24 min
